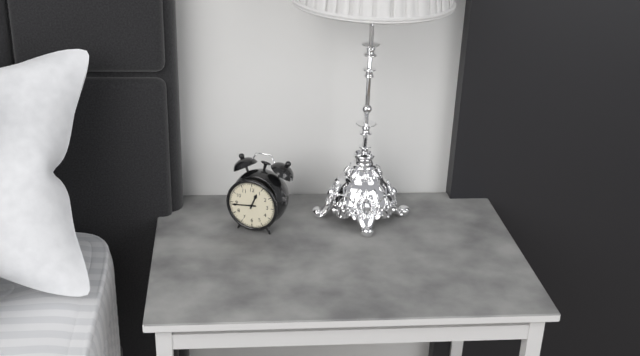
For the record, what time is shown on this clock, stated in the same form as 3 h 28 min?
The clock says 12 h 44 min
